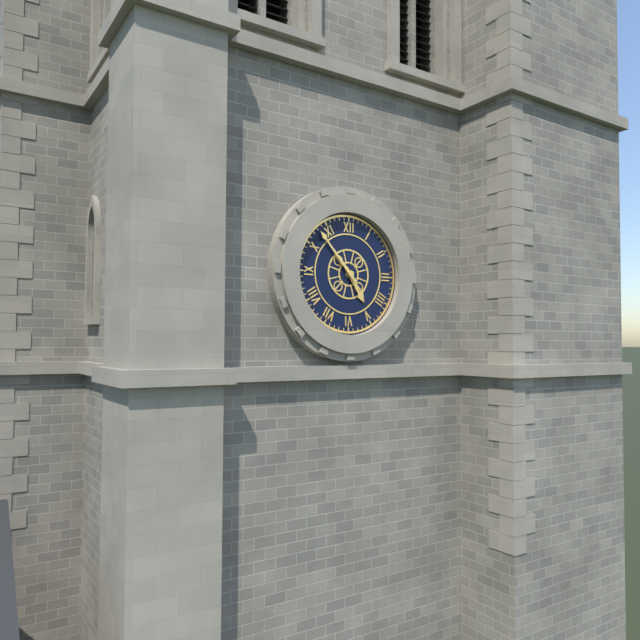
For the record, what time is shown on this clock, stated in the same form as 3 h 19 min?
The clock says 4 h 53 min
